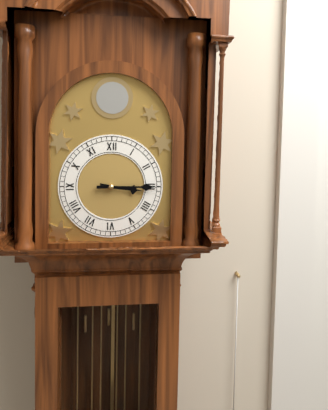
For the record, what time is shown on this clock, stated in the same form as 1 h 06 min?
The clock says 3 h 15 min
